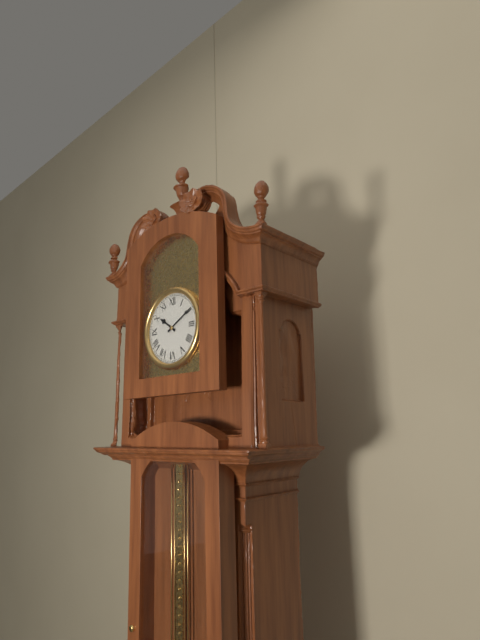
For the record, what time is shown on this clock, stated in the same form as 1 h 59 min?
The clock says 10 h 10 min
